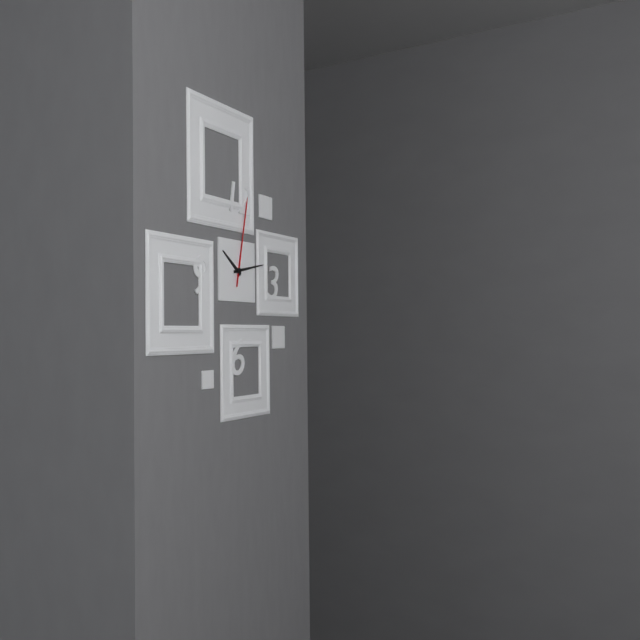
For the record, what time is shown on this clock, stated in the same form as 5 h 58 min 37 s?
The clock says 10 h 13 min 02 s
